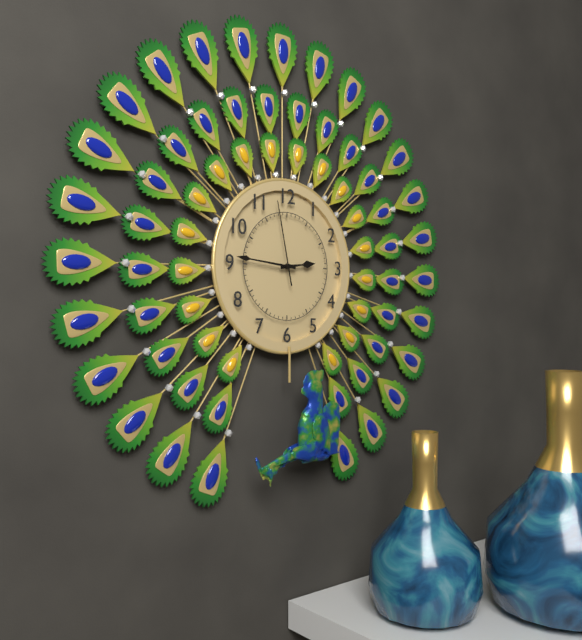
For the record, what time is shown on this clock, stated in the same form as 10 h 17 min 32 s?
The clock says 2 h 46 min 58 s
